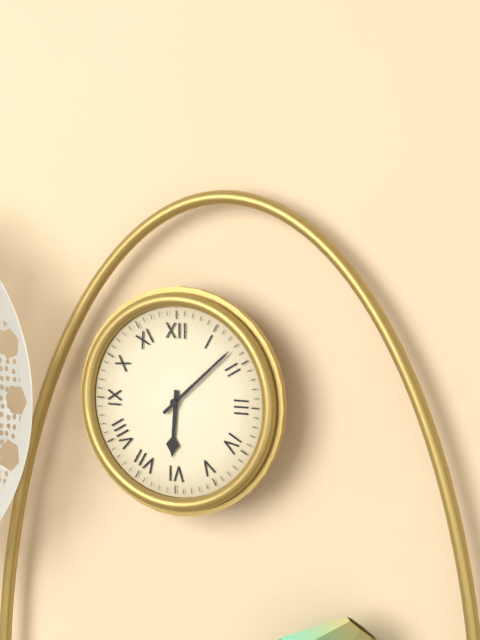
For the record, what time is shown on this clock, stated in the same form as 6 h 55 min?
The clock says 6 h 08 min
